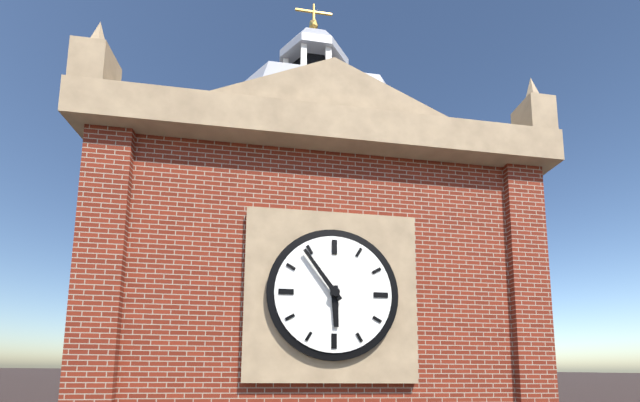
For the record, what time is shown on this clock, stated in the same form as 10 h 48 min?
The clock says 5 h 54 min
